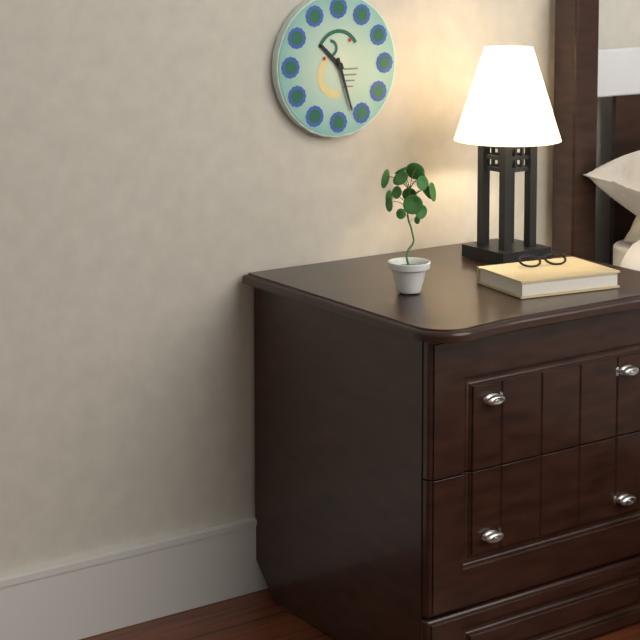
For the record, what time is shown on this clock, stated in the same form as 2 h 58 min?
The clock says 10 h 27 min
